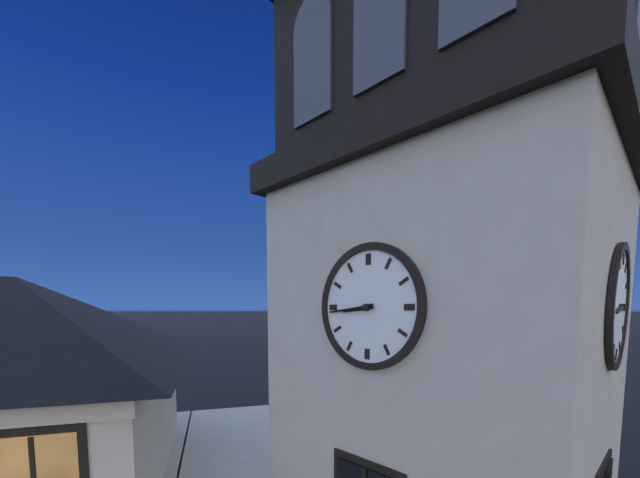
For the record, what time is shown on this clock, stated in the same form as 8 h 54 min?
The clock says 8 h 44 min
